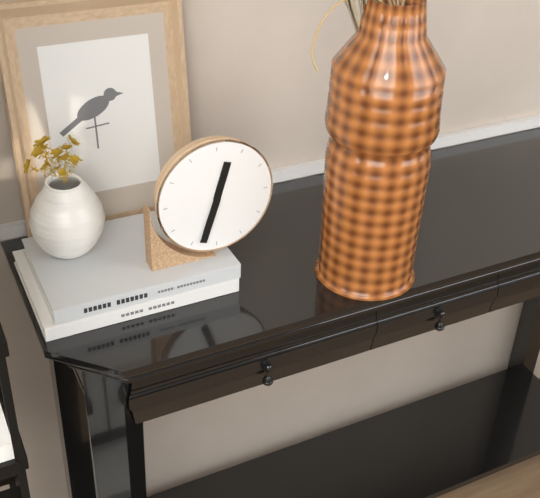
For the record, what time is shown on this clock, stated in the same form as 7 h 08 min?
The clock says 12 h 33 min
